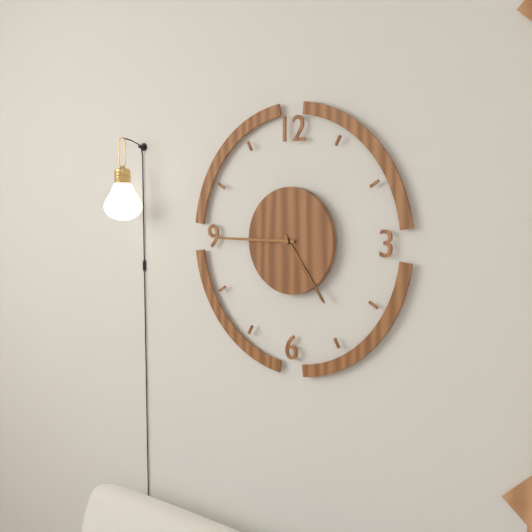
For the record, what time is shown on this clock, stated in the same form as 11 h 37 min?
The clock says 4 h 45 min
